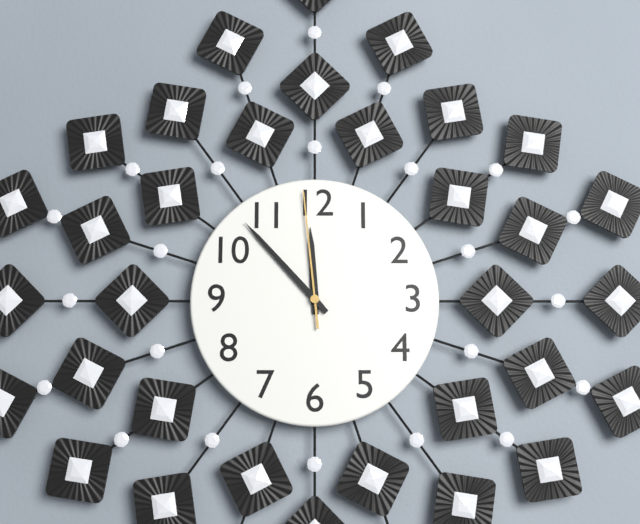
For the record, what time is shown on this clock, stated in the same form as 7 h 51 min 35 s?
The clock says 11 h 53 min 59 s
